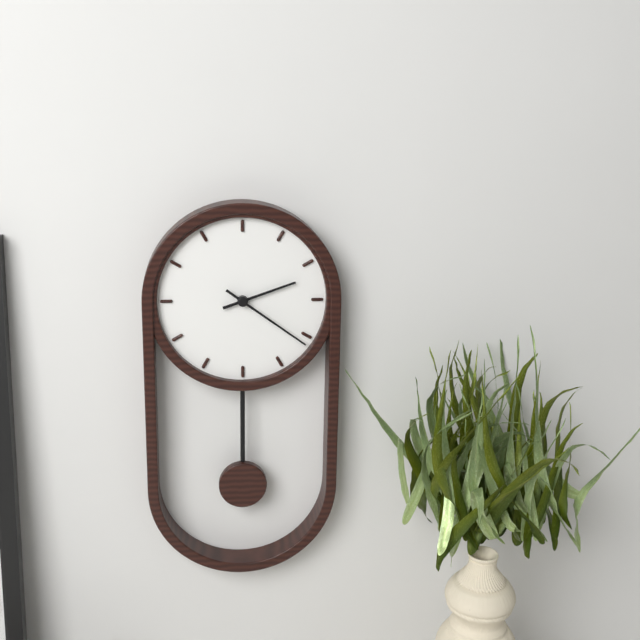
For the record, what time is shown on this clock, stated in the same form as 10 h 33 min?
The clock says 2 h 21 min
